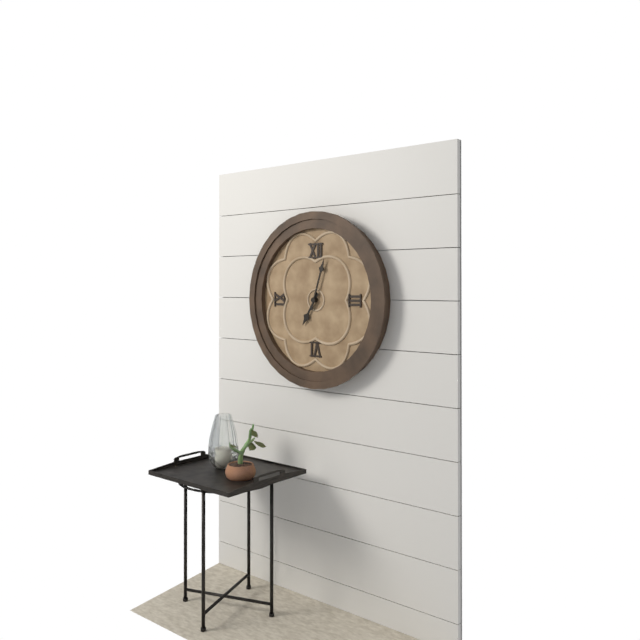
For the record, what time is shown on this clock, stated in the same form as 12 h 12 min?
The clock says 7 h 03 min
